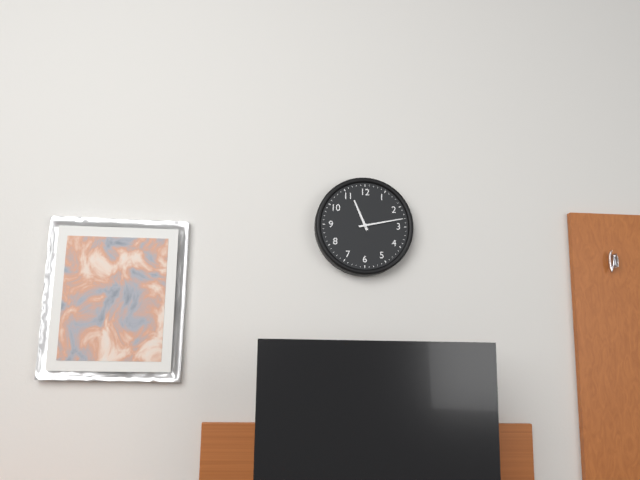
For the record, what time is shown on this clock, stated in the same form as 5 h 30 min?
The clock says 11 h 13 min
